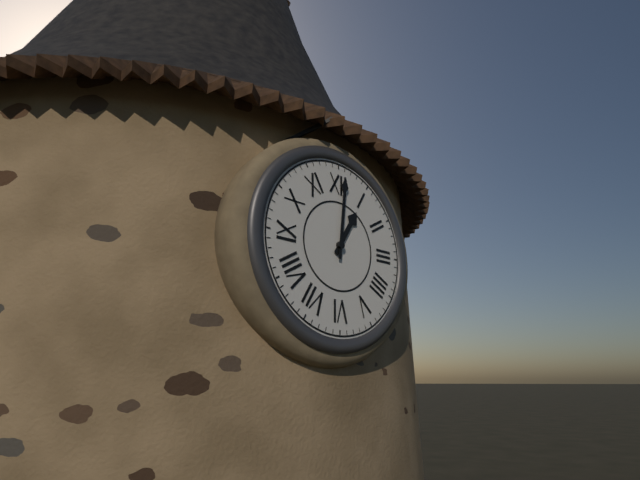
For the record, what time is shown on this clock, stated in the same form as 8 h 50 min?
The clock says 1 h 01 min
